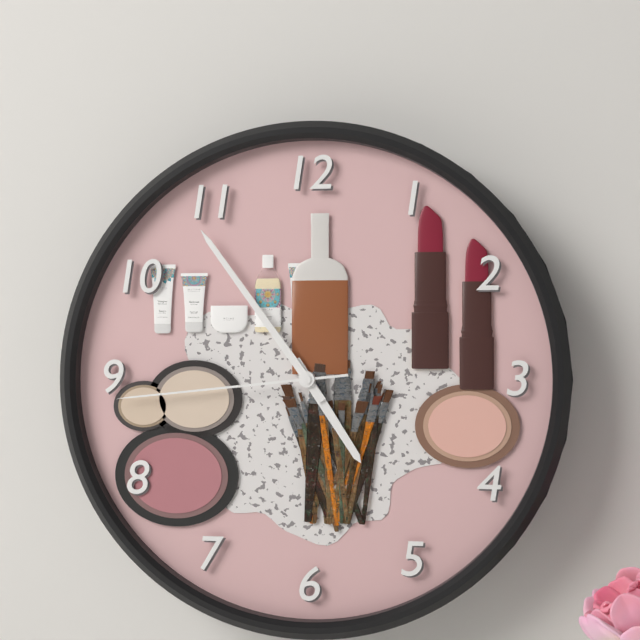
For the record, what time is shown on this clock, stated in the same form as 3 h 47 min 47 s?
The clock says 4 h 54 min 44 s
